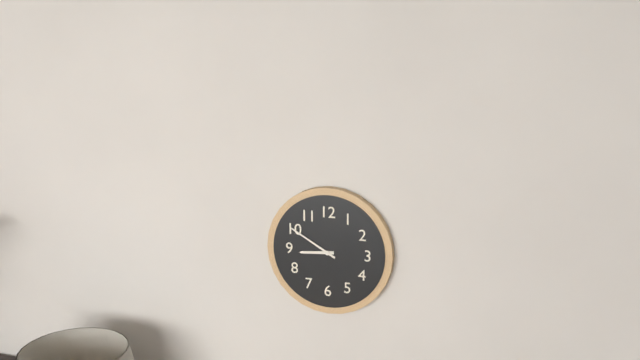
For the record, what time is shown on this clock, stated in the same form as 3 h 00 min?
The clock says 8 h 50 min
